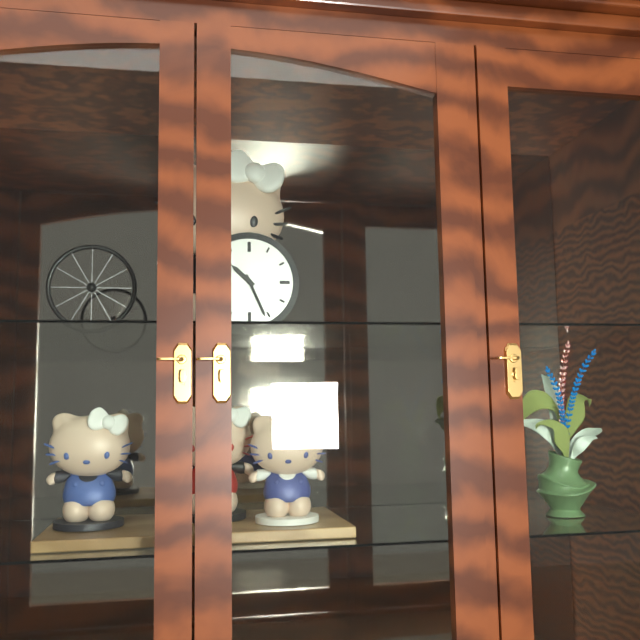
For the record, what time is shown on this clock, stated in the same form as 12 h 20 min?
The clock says 10 h 26 min
